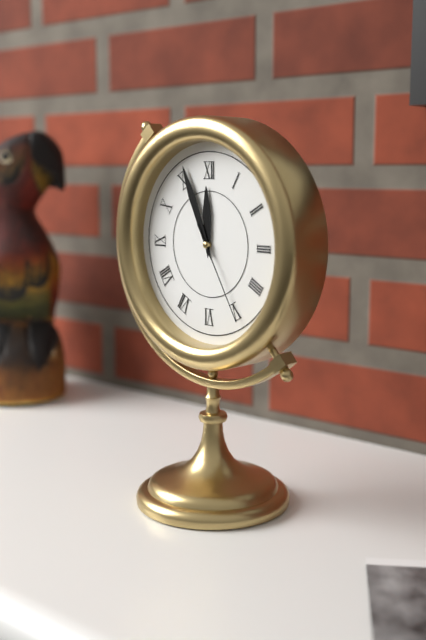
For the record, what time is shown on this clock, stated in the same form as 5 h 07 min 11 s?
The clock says 11 h 56 min 25 s
